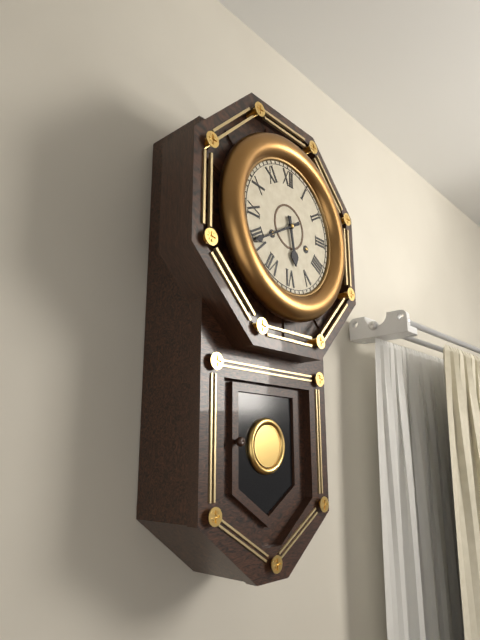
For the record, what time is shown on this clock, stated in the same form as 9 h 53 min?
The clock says 5 h 40 min
